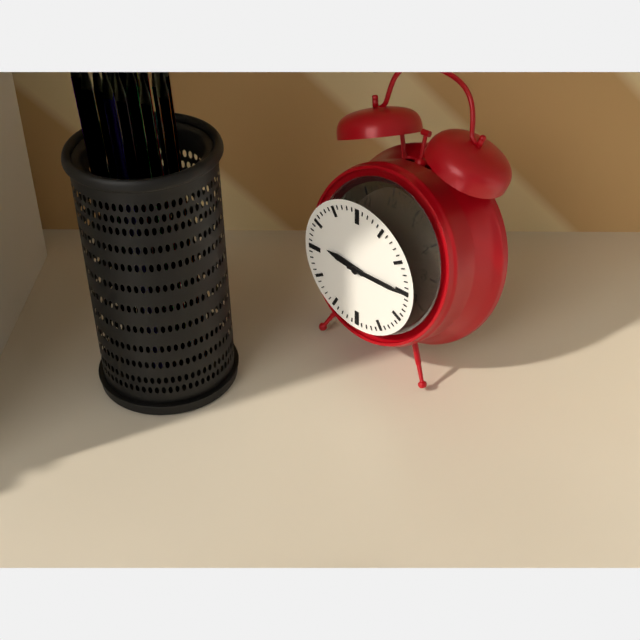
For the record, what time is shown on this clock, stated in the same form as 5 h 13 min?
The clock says 9 h 15 min
